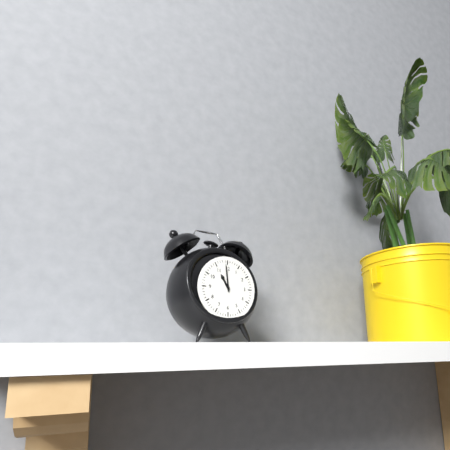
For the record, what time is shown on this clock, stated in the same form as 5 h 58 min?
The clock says 10 h 59 min
